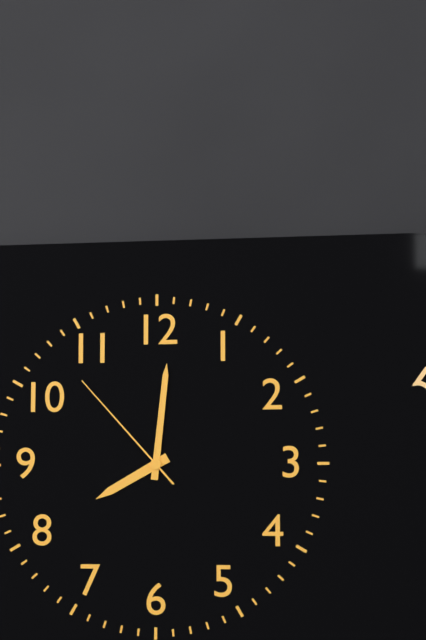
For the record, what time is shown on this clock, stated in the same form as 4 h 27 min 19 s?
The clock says 8 h 01 min 53 s
